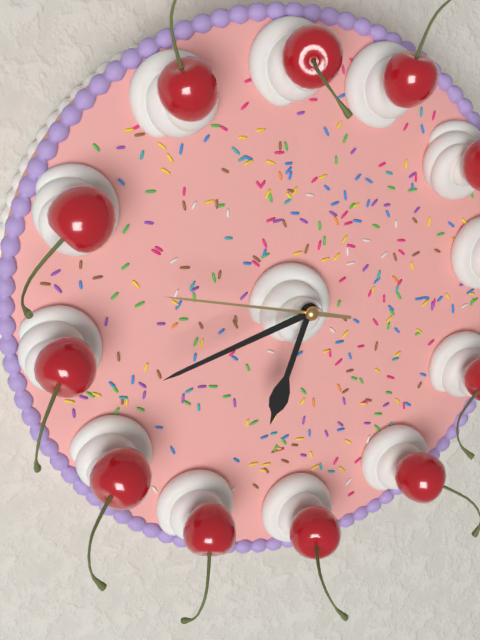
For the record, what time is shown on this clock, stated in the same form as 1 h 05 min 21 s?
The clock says 6 h 42 min 47 s
